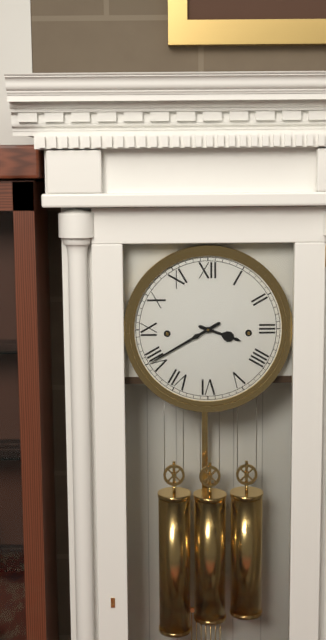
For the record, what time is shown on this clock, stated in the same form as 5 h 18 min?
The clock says 3 h 40 min
